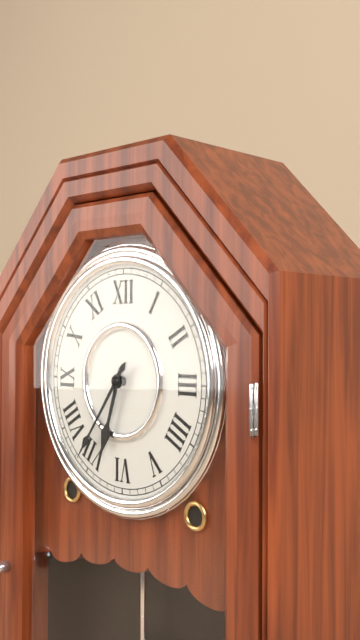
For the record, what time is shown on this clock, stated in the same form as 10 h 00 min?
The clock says 6 h 36 min
